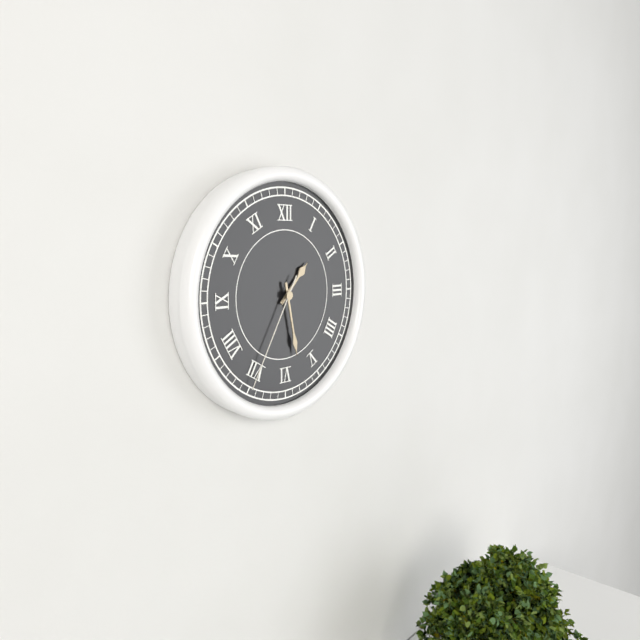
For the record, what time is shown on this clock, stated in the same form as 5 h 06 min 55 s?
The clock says 1 h 28 min 35 s
